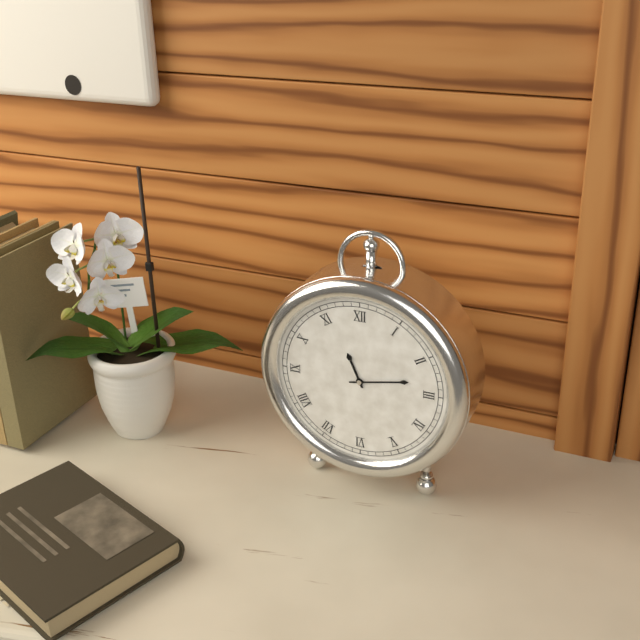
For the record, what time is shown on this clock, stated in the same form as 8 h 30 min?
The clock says 11 h 13 min
